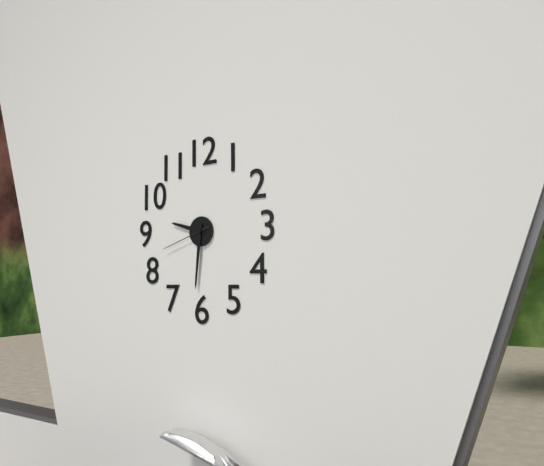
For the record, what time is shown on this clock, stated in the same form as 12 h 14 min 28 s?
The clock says 9 h 31 min 42 s
